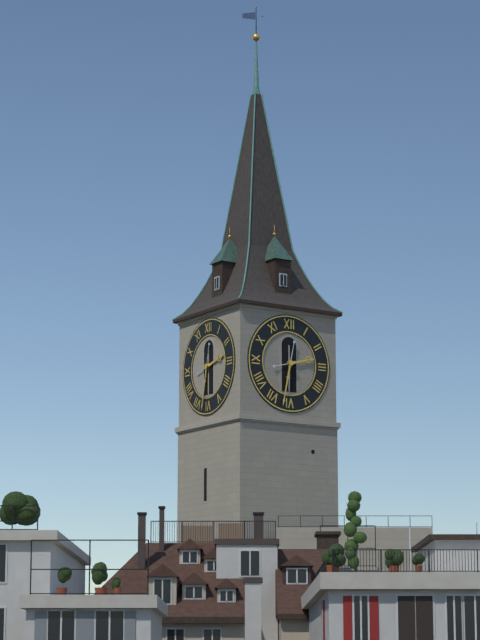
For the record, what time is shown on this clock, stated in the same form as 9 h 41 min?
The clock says 2 h 32 min
